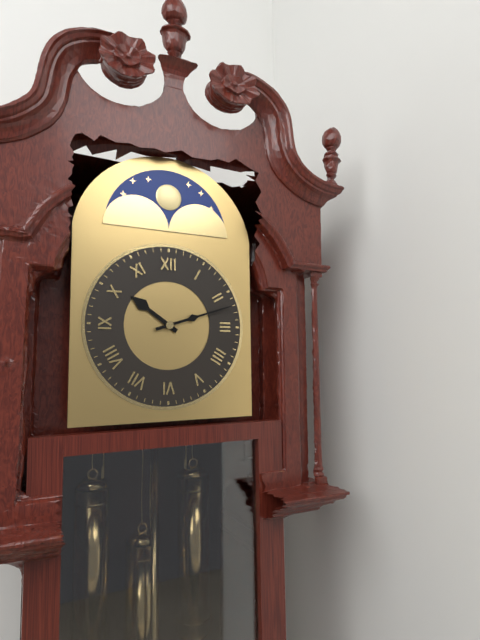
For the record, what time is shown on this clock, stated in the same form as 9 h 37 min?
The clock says 10 h 12 min
